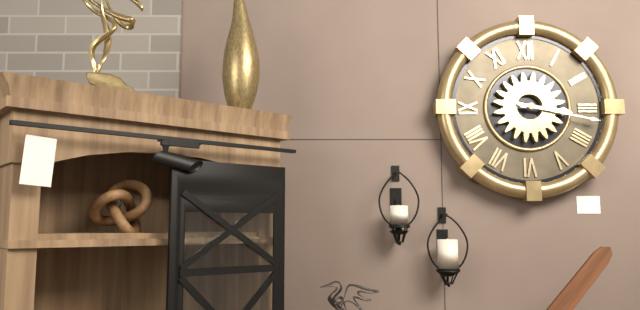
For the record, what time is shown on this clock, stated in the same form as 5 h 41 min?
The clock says 3 h 17 min
